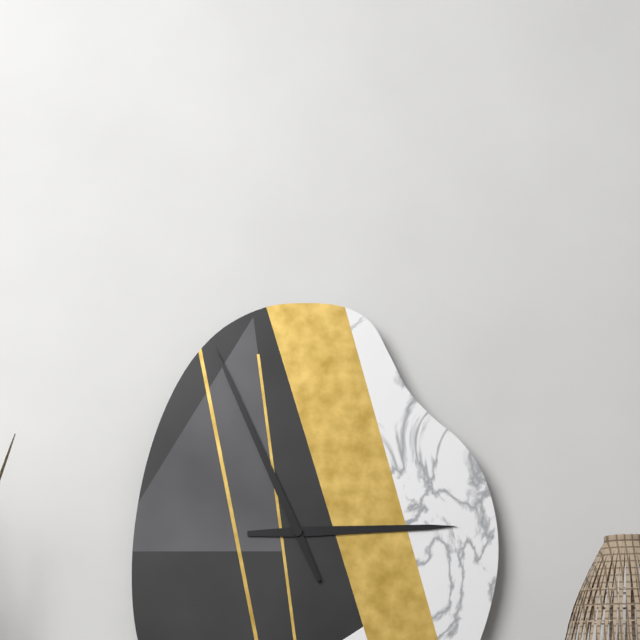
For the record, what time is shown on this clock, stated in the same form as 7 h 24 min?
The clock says 2 h 56 min
